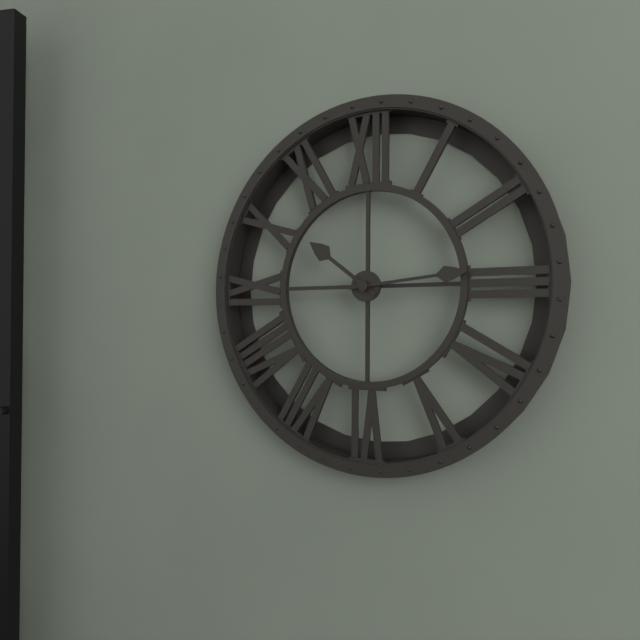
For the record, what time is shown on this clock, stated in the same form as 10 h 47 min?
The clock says 10 h 14 min
